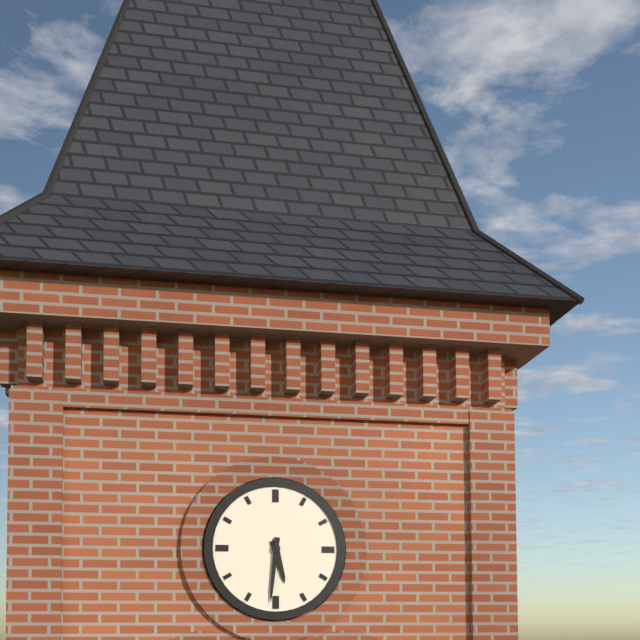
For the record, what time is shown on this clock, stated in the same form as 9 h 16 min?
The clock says 5 h 31 min
